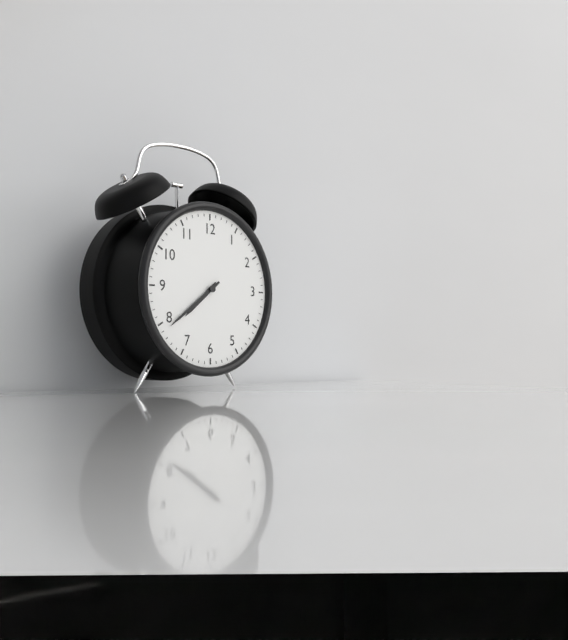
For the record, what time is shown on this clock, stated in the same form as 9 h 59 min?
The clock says 7 h 39 min
